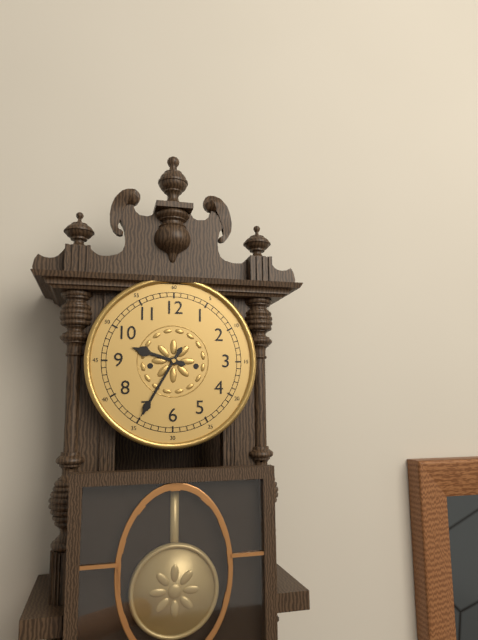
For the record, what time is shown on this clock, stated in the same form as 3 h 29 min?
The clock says 9 h 35 min
